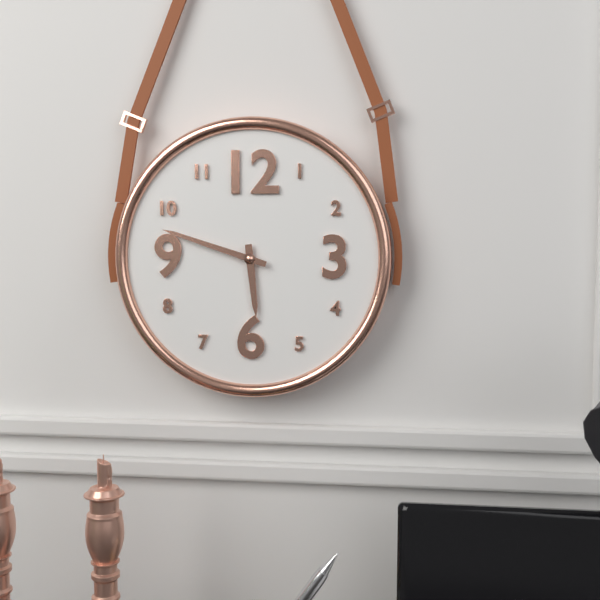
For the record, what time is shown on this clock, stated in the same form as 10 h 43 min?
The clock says 5 h 48 min
